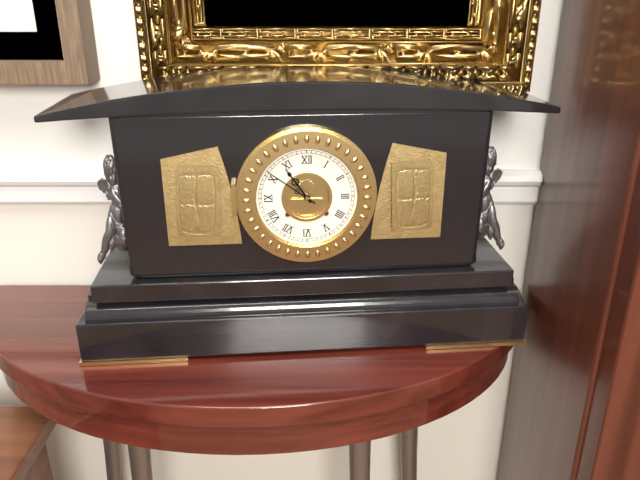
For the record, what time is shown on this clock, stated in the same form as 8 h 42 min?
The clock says 10 h 51 min
